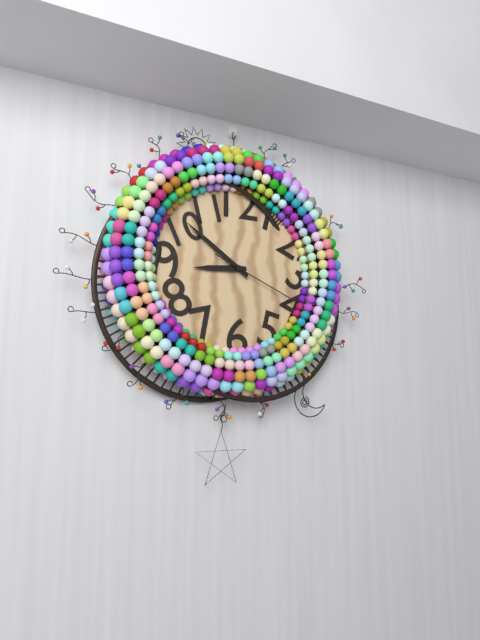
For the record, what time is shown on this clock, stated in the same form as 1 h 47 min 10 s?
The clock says 8 h 51 min 19 s
